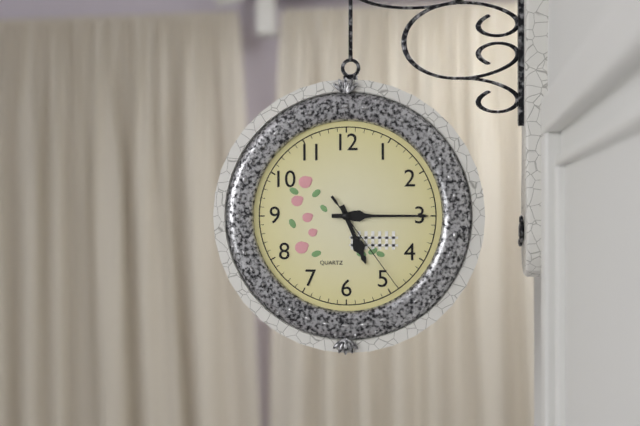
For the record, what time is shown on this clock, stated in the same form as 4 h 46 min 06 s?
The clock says 5 h 15 min 24 s
